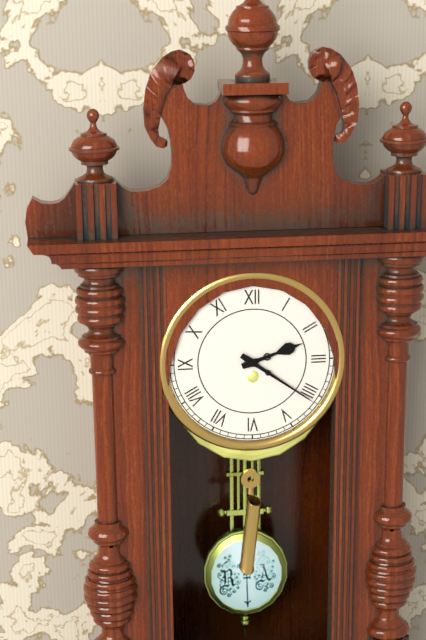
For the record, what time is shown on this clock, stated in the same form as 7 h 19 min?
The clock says 2 h 21 min
